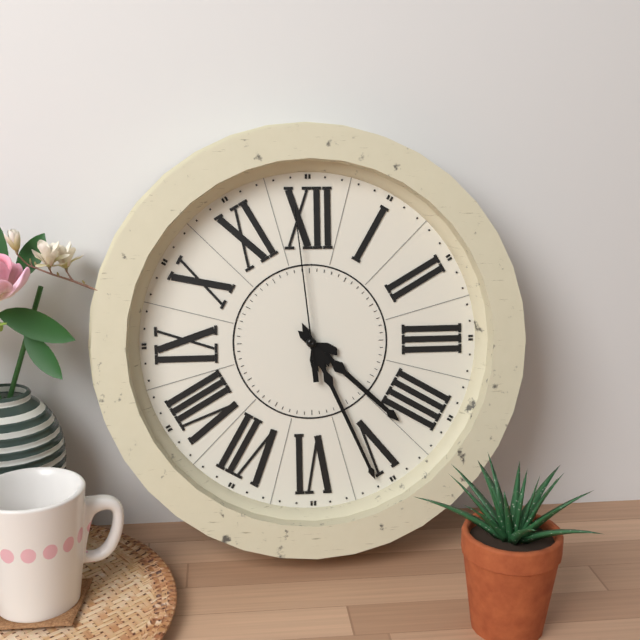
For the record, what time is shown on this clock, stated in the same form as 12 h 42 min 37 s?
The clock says 4 h 26 min 59 s
